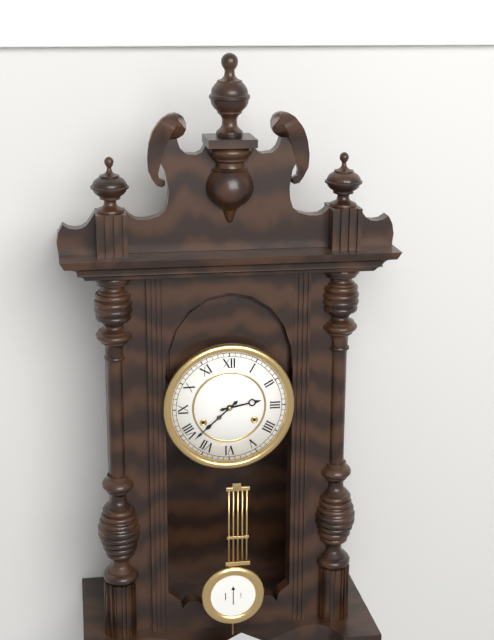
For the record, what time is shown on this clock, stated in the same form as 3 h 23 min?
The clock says 2 h 38 min
